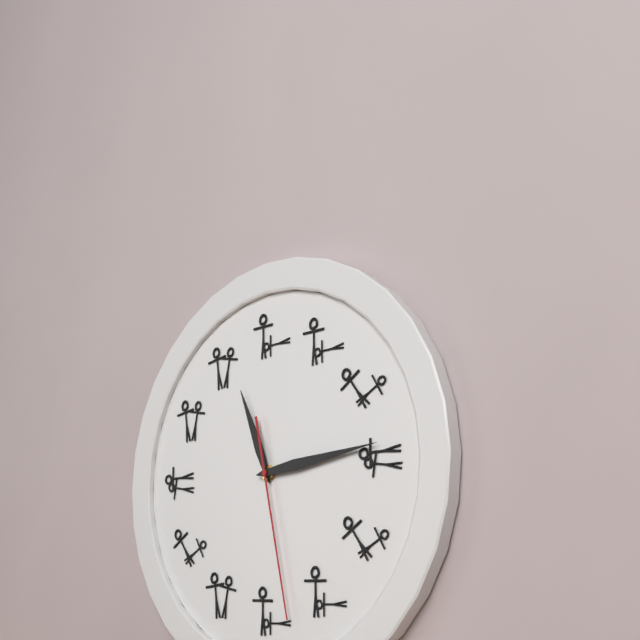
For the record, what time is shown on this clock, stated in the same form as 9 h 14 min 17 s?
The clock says 11 h 14 min 28 s
